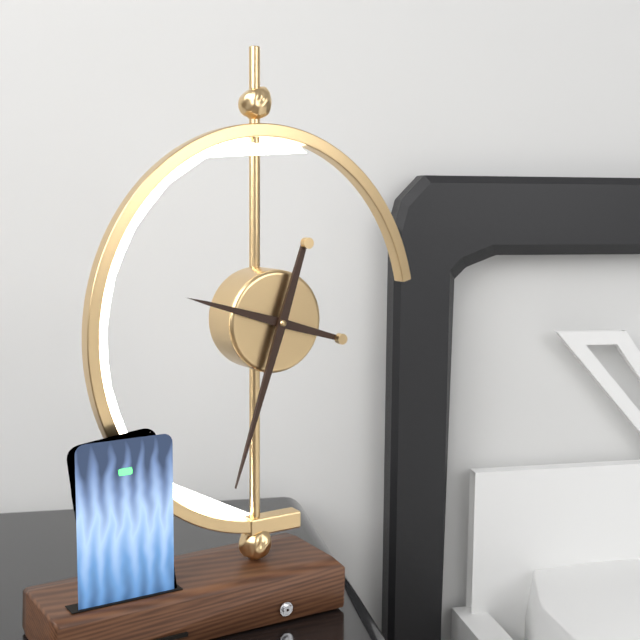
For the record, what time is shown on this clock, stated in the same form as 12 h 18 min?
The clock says 9 h 33 min
